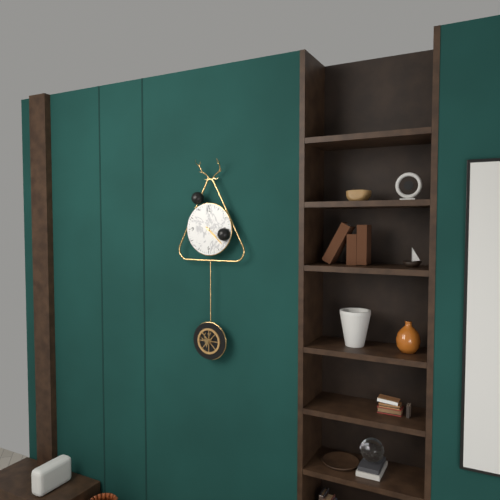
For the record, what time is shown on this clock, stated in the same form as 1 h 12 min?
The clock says 4 h 22 min
